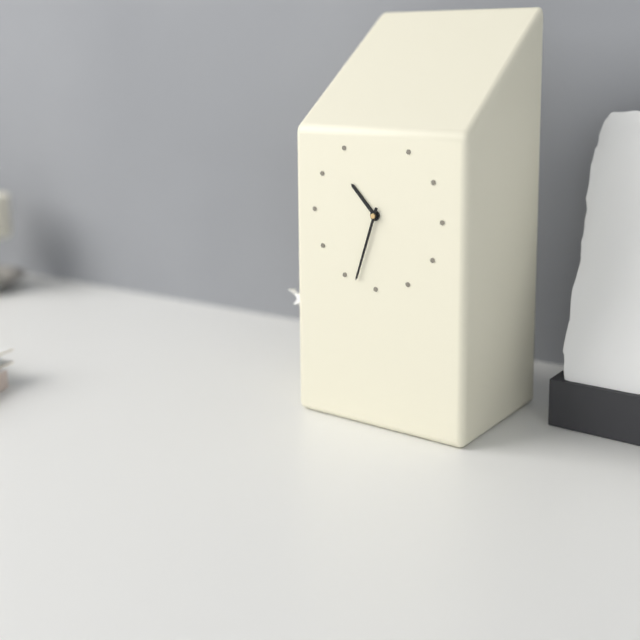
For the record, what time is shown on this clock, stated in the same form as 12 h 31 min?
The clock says 10 h 33 min
